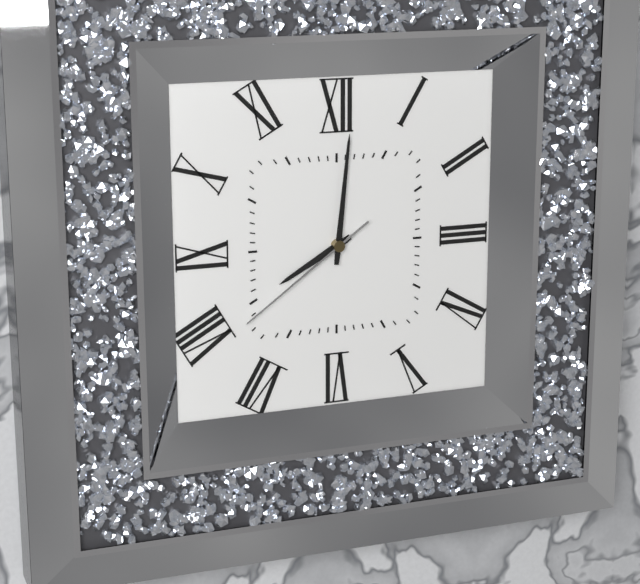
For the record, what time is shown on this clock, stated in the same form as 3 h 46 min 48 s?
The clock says 8 h 01 min 39 s
